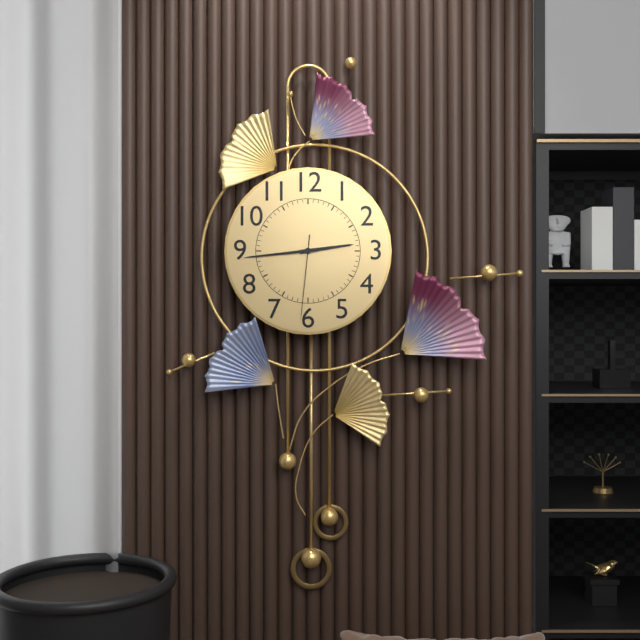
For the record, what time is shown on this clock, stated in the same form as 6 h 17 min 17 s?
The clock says 2 h 44 min 31 s
